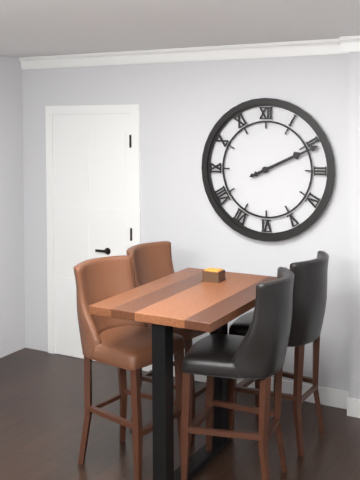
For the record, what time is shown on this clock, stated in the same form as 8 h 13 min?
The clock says 2 h 11 min
